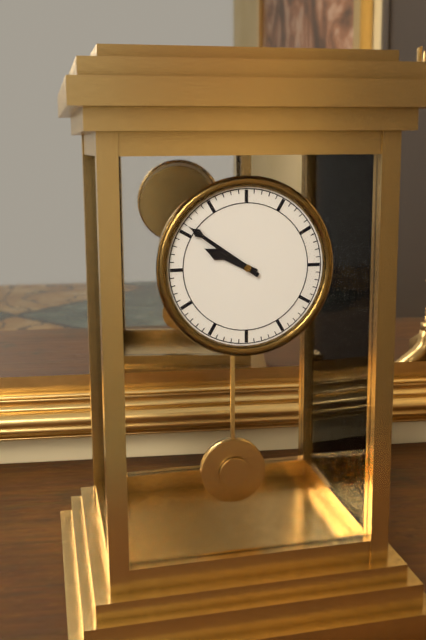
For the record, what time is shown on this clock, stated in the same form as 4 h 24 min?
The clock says 9 h 51 min
